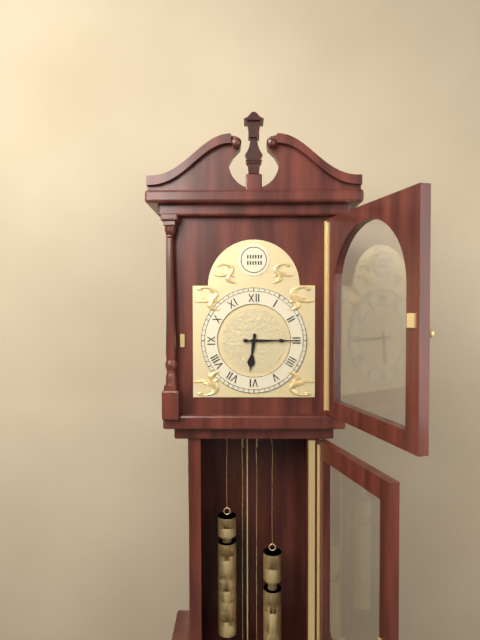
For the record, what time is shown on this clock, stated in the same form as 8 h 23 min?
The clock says 6 h 15 min
